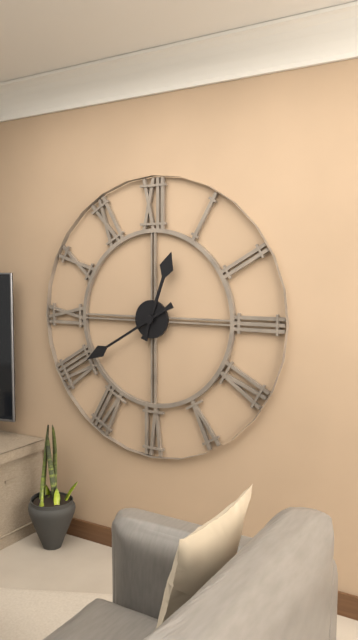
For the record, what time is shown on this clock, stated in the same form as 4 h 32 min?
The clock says 12 h 40 min
